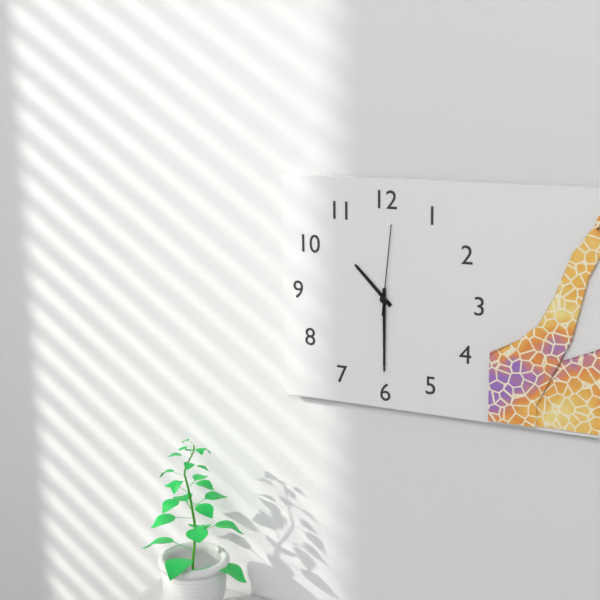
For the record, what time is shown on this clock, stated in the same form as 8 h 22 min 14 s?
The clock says 10 h 30 min 01 s
